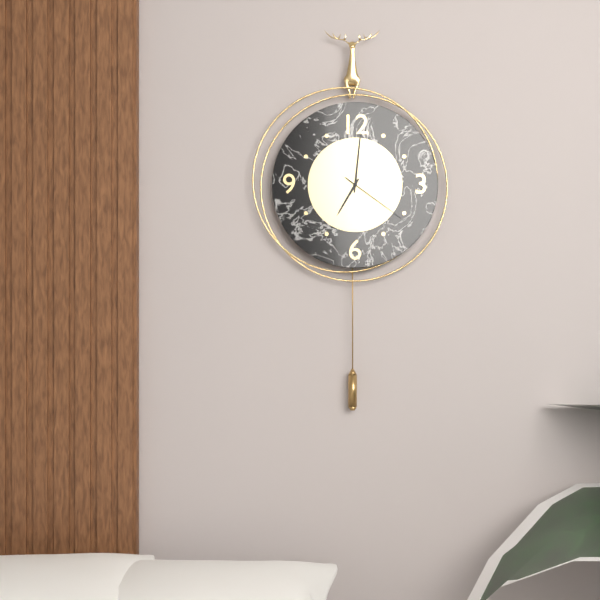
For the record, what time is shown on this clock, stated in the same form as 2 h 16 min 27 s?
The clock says 7 h 01 min 21 s
